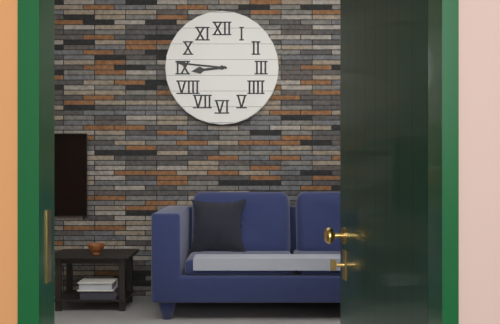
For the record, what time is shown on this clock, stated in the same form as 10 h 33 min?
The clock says 8 h 46 min
